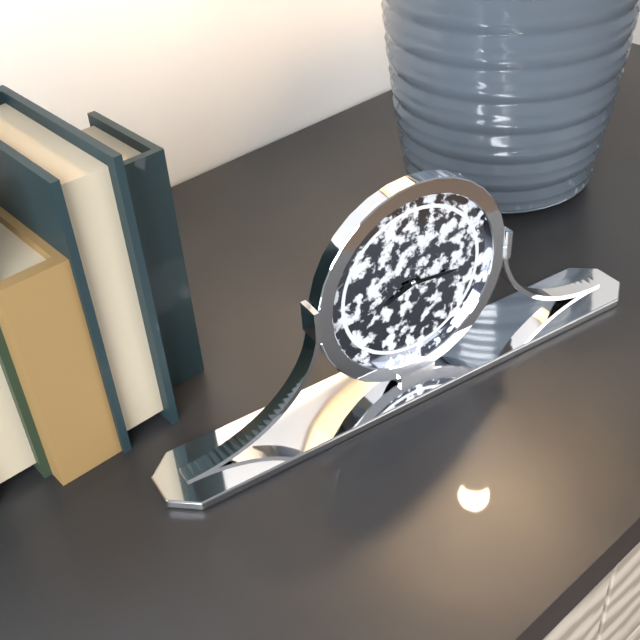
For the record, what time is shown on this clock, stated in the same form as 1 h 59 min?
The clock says 8 h 16 min
